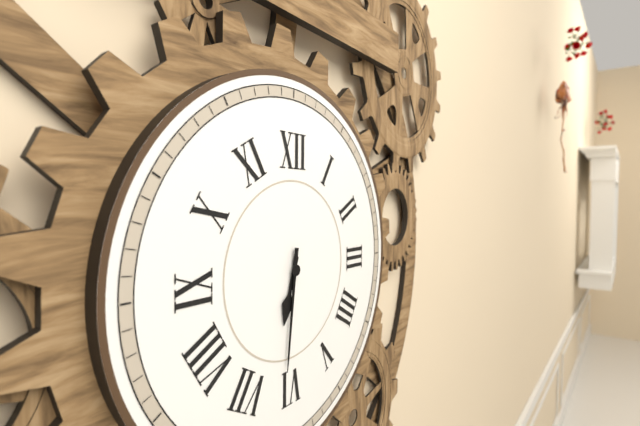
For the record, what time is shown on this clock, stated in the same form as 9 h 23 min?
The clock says 6 h 31 min
